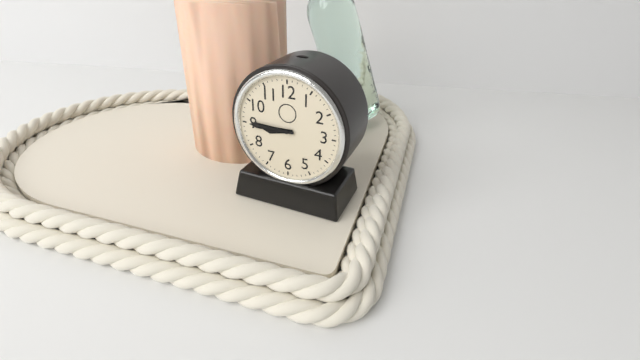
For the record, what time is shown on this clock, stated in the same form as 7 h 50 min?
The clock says 8 h 45 min
